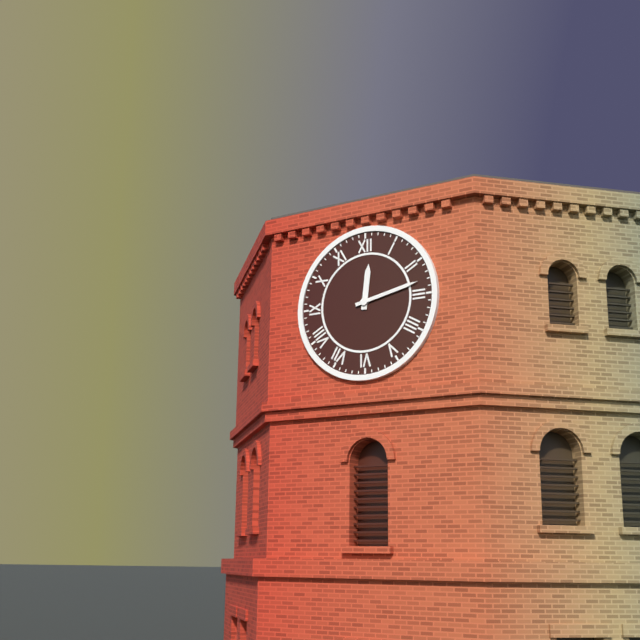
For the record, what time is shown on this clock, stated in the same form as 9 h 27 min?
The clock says 12 h 13 min
